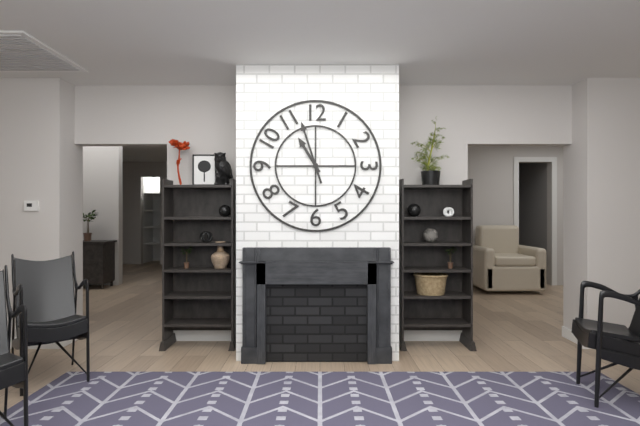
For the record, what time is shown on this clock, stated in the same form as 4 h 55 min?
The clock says 10 h 57 min
